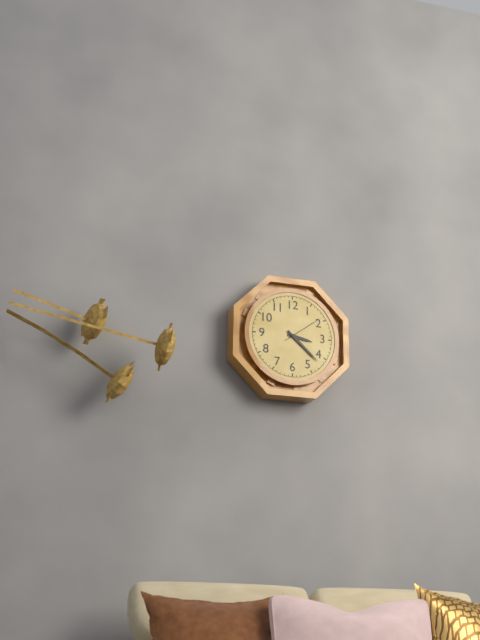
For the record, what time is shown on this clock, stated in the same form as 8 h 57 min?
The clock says 3 h 22 min
